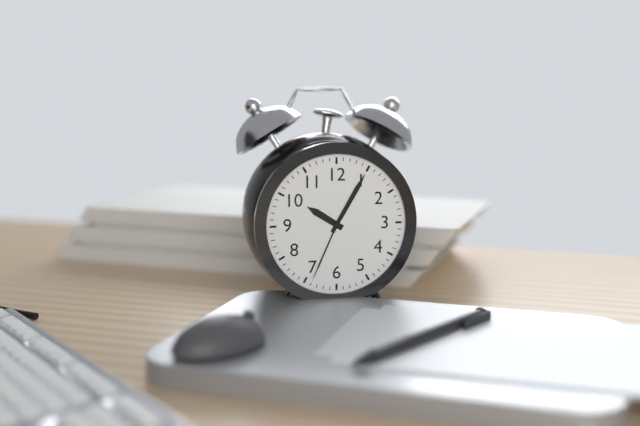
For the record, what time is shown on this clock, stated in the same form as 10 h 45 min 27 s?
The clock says 10 h 05 min 34 s
